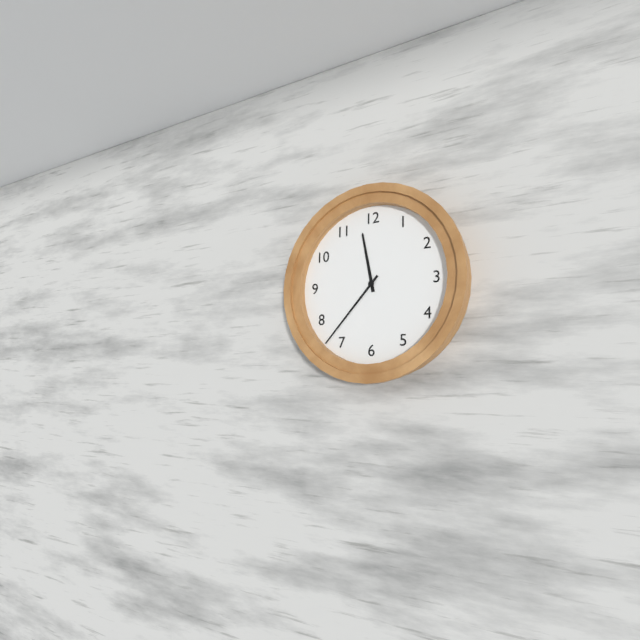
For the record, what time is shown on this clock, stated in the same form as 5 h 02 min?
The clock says 11 h 37 min
